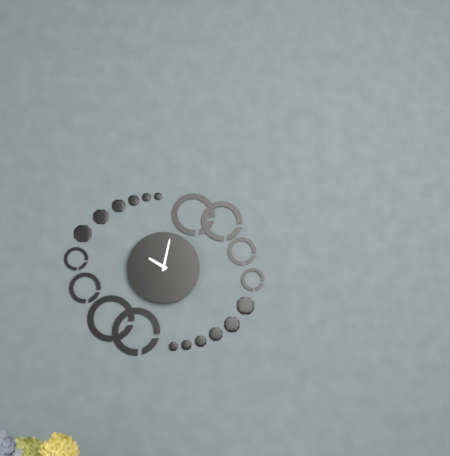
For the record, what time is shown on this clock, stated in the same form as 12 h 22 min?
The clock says 10 h 02 min
